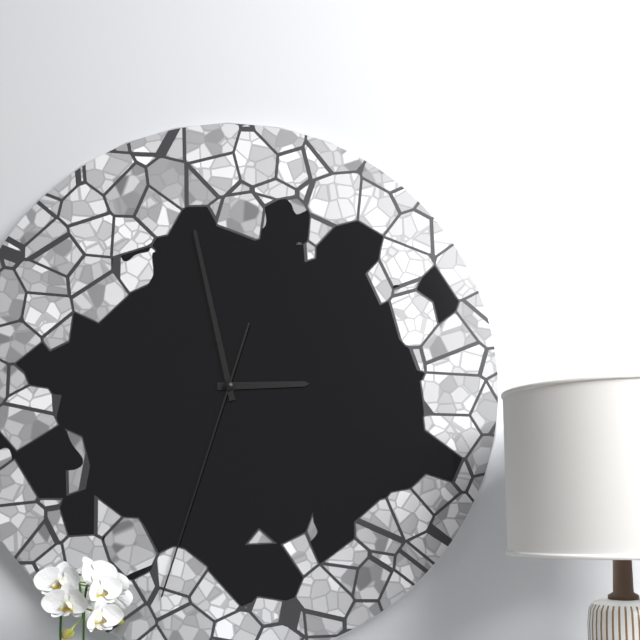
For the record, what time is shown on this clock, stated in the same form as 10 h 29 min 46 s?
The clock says 2 h 58 min 33 s
